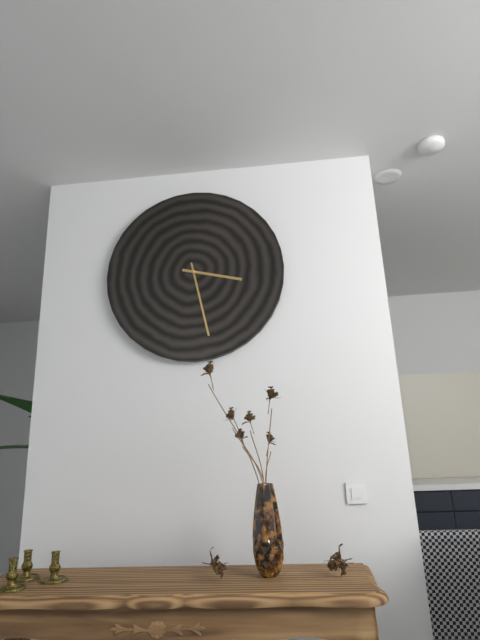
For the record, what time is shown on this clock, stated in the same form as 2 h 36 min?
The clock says 3 h 28 min
